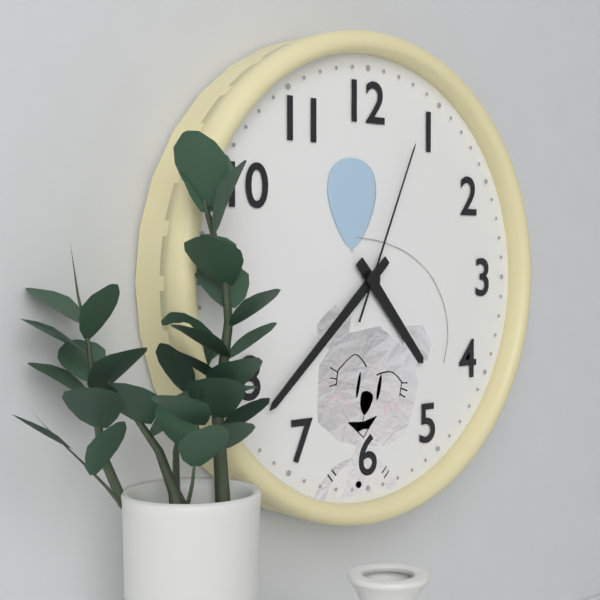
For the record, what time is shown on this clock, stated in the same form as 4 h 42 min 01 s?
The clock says 4 h 38 min 04 s
